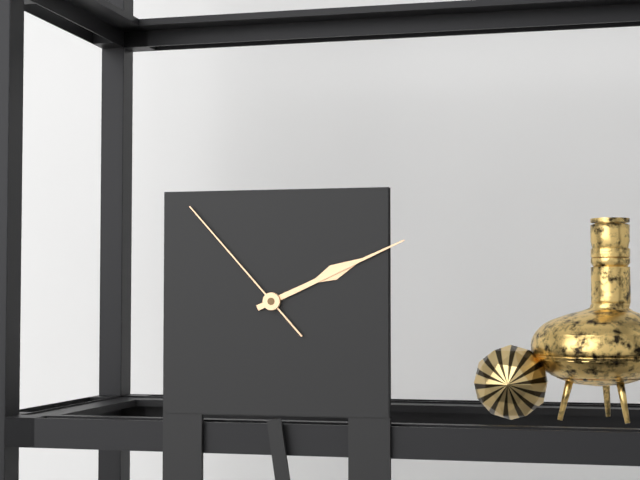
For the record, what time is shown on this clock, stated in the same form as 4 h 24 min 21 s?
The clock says 2 h 11 min 53 s
